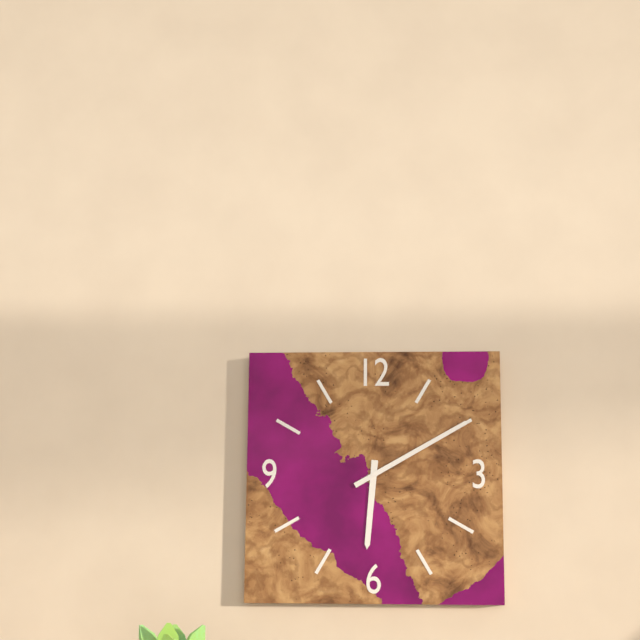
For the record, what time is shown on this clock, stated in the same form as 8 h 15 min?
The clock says 6 h 10 min
